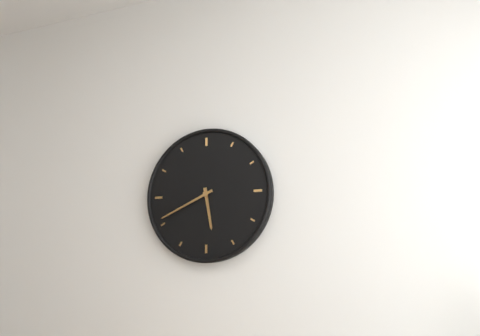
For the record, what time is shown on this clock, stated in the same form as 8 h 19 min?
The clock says 5 h 41 min
